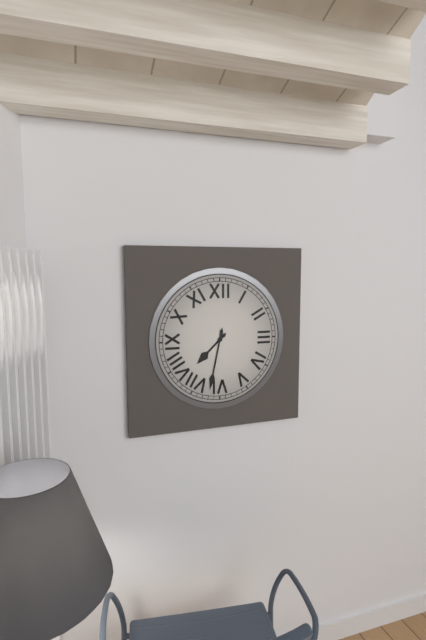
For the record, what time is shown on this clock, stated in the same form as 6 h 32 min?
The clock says 7 h 32 min
